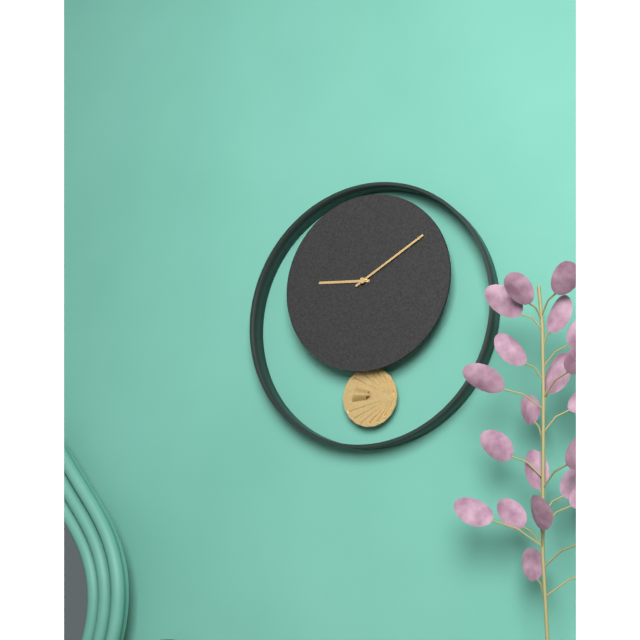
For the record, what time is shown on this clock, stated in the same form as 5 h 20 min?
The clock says 9 h 10 min
